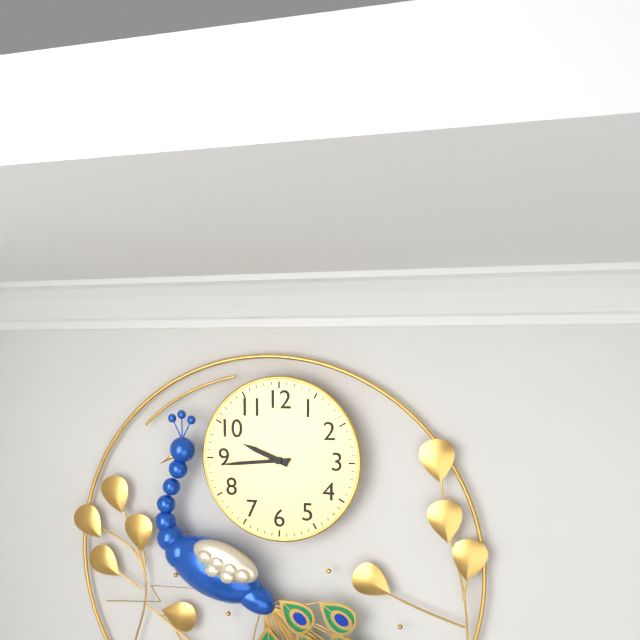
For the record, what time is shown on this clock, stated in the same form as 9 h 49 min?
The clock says 9 h 44 min
